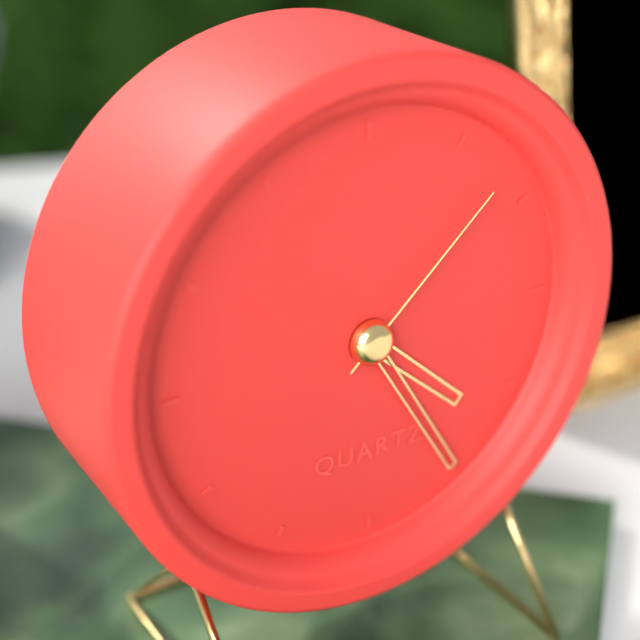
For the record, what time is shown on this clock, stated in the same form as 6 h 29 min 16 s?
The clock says 4 h 25 min 08 s
